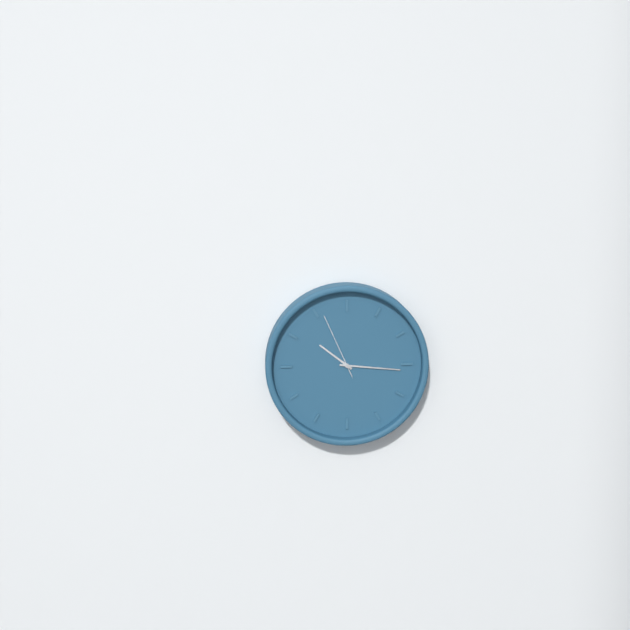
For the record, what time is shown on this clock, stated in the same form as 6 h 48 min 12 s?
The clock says 10 h 16 min 56 s
